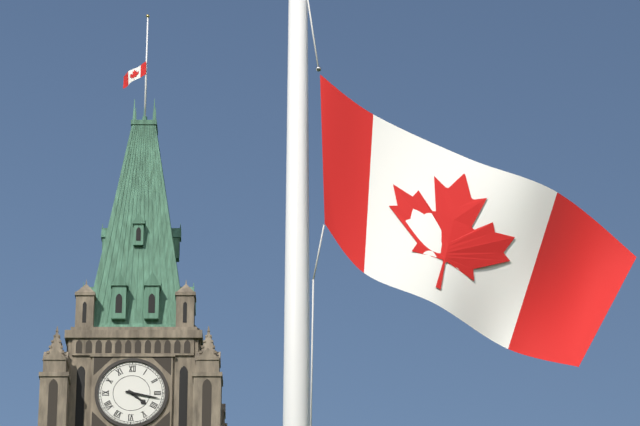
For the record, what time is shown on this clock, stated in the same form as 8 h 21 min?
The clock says 4 h 17 min
